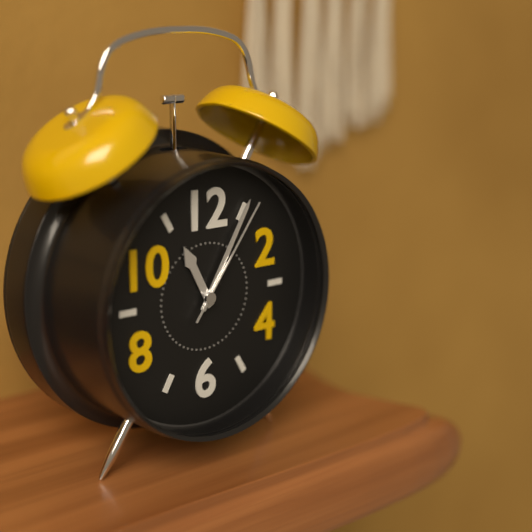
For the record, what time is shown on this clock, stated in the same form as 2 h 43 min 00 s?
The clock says 11 h 05 min 06 s
